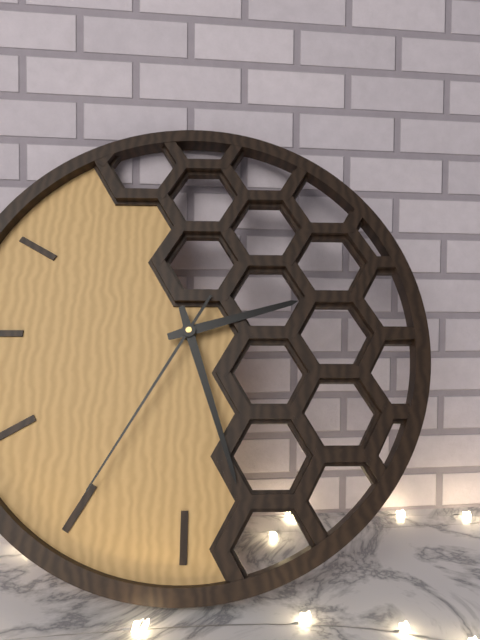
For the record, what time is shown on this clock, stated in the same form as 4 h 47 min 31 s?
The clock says 2 h 27 min 35 s
